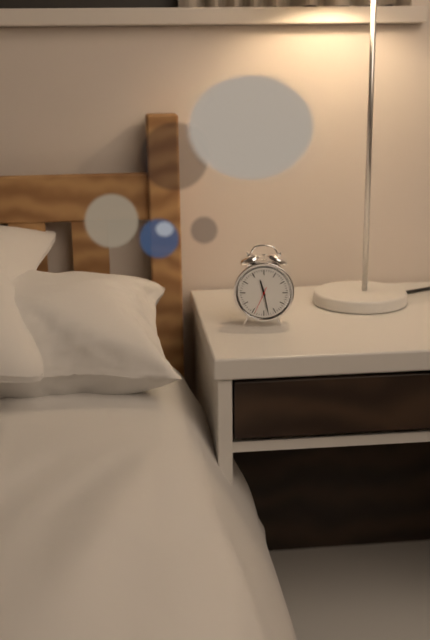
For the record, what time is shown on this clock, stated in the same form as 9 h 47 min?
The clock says 11 h 28 min
